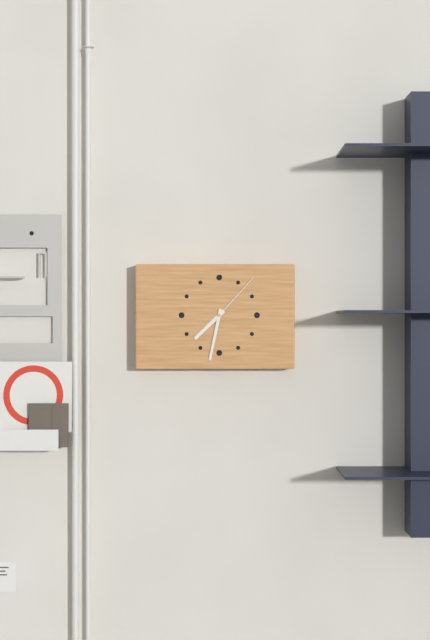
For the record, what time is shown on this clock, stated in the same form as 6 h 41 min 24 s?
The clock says 7 h 32 min 07 s
